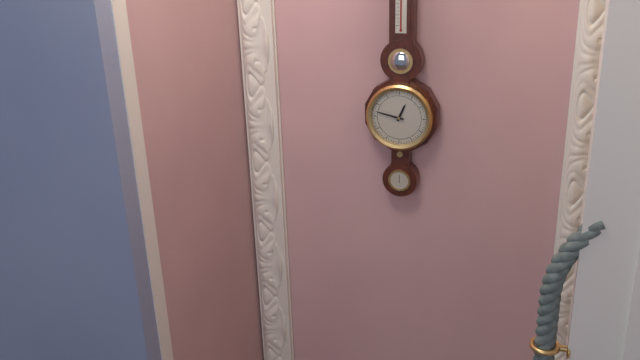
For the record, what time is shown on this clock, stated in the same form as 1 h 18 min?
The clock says 12 h 47 min
